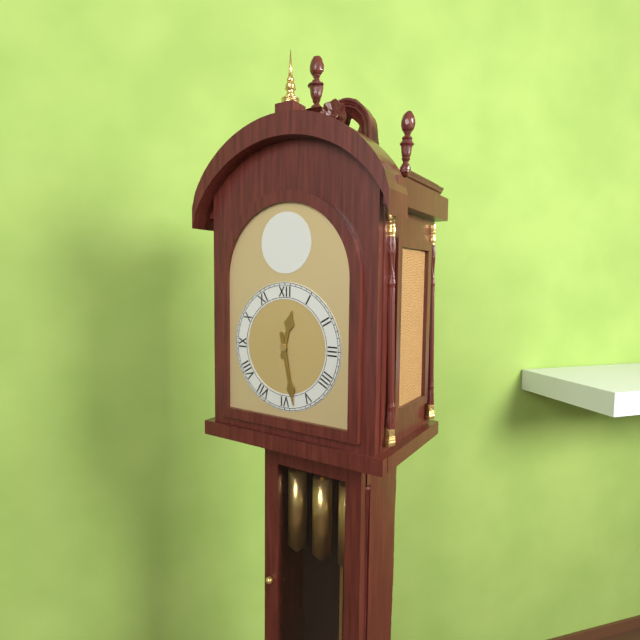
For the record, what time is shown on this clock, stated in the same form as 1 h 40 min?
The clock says 12 h 28 min
